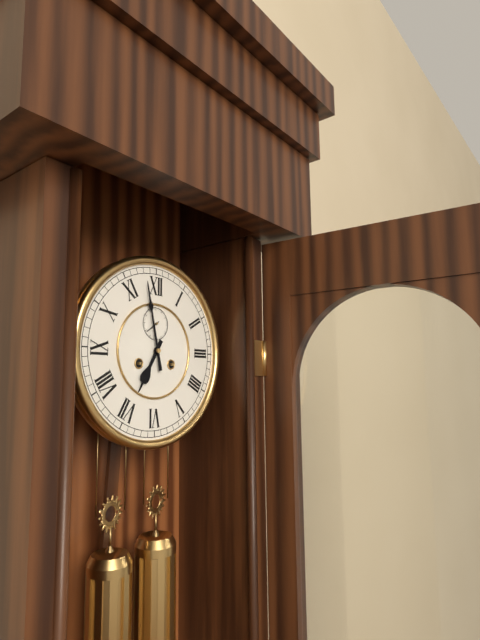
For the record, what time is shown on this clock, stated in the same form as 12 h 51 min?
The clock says 6 h 58 min
